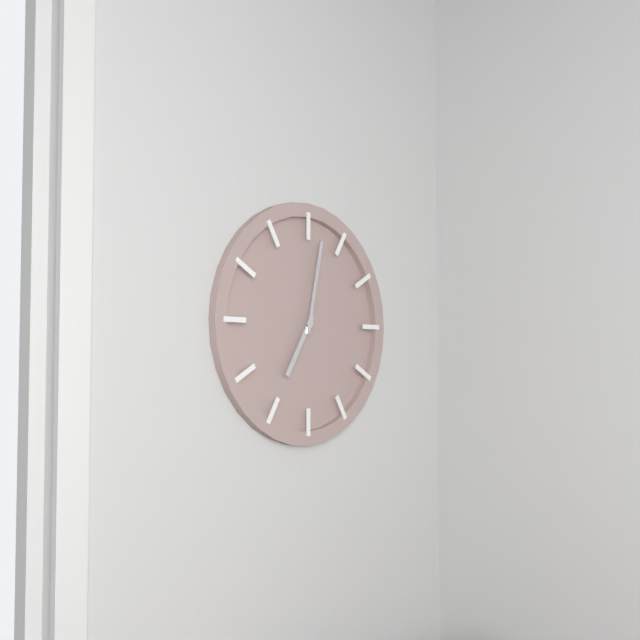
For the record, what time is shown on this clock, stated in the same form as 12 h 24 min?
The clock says 7 h 02 min
